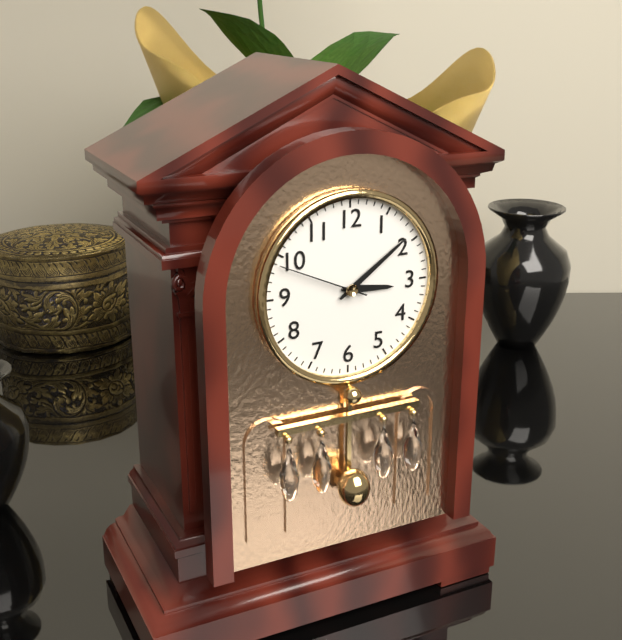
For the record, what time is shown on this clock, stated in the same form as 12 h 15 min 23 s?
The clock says 3 h 09 min 49 s
